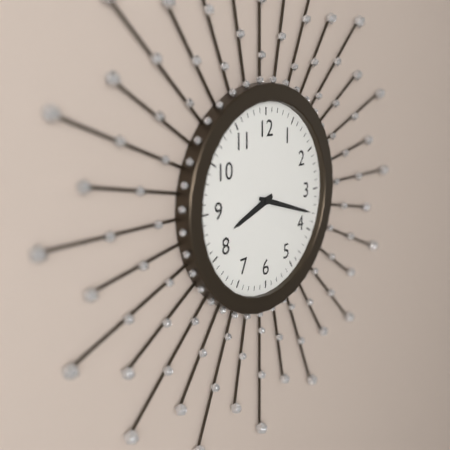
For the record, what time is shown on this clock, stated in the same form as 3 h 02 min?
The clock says 8 h 18 min
